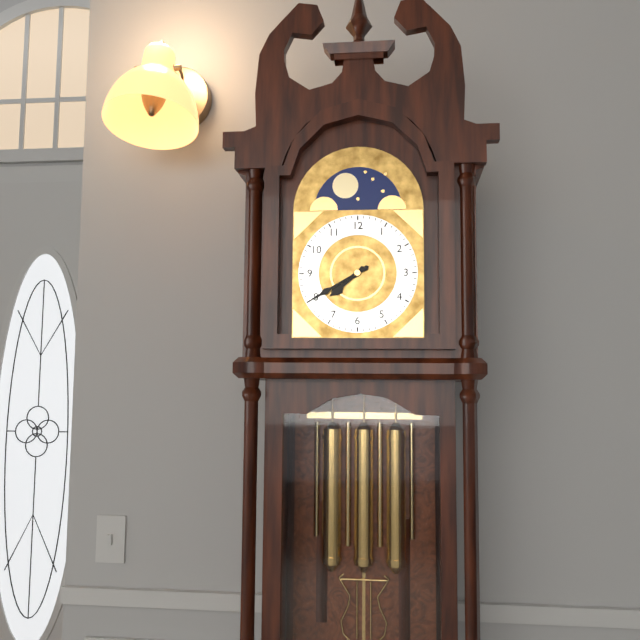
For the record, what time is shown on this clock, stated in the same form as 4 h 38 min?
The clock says 7 h 40 min
